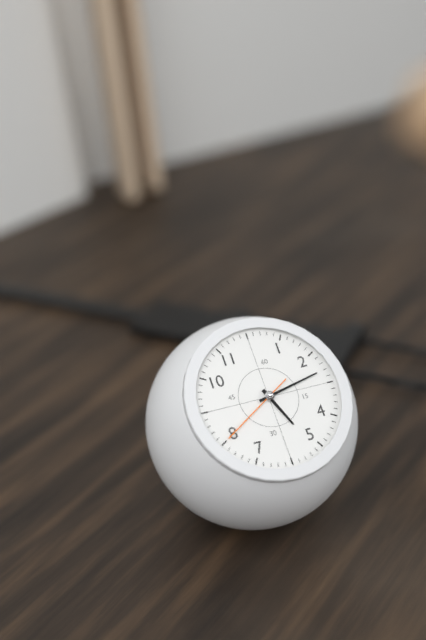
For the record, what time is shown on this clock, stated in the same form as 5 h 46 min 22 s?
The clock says 5 h 13 min 40 s
